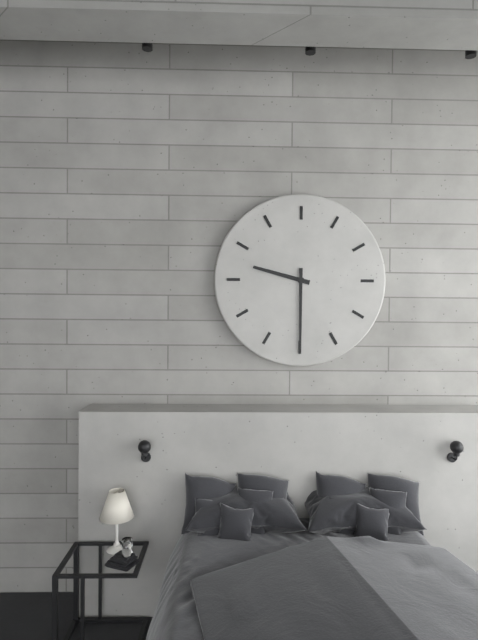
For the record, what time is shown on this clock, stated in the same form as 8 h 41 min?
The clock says 9 h 30 min
